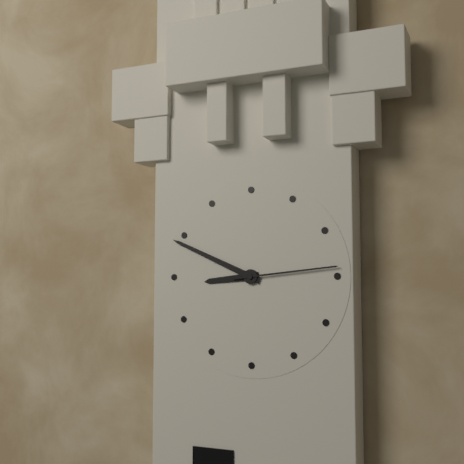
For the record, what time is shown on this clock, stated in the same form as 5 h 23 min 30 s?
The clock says 8 h 49 min 14 s
